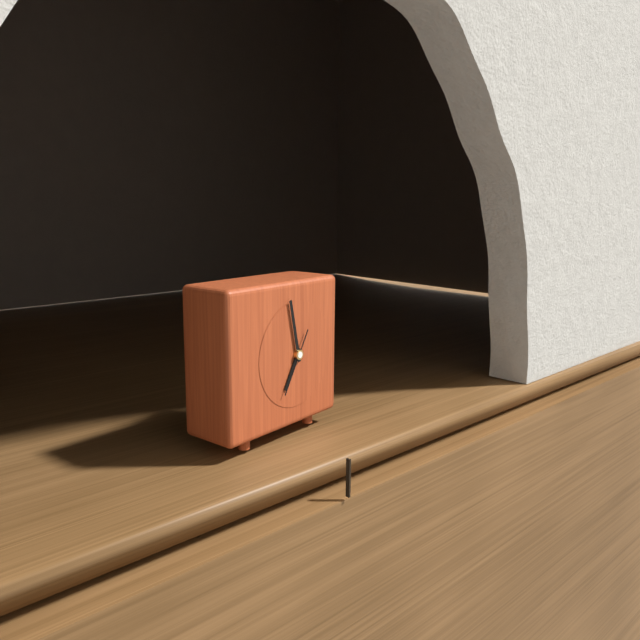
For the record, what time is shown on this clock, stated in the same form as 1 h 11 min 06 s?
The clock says 6 h 58 min 35 s
